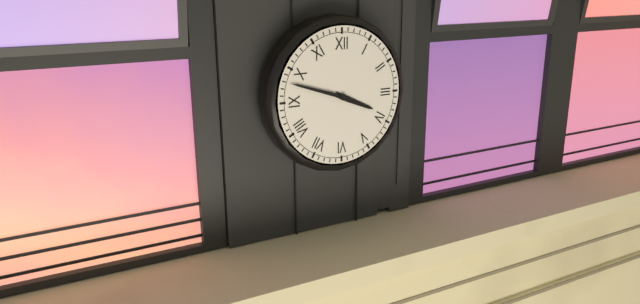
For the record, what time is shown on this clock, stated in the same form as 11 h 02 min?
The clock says 3 h 48 min
